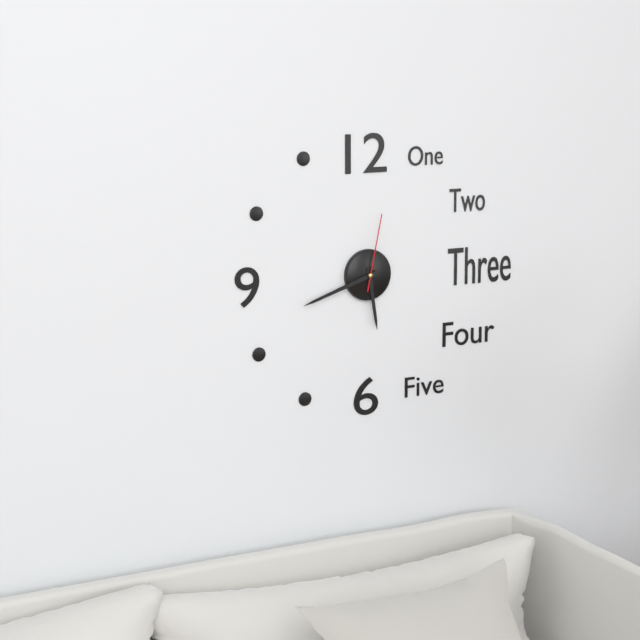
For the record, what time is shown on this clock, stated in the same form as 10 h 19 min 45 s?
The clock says 5 h 42 min 02 s
